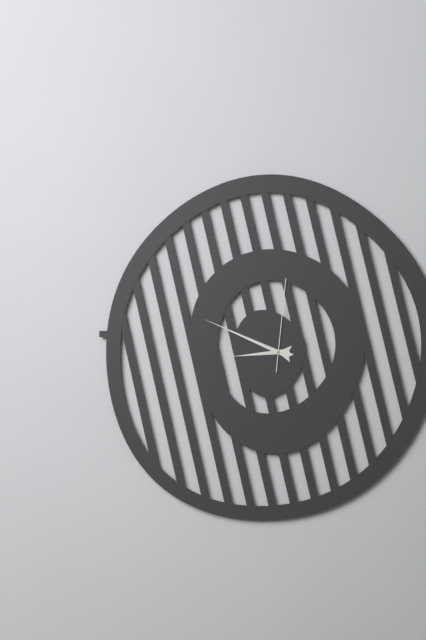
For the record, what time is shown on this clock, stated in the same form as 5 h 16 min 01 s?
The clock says 8 h 49 min 01 s
